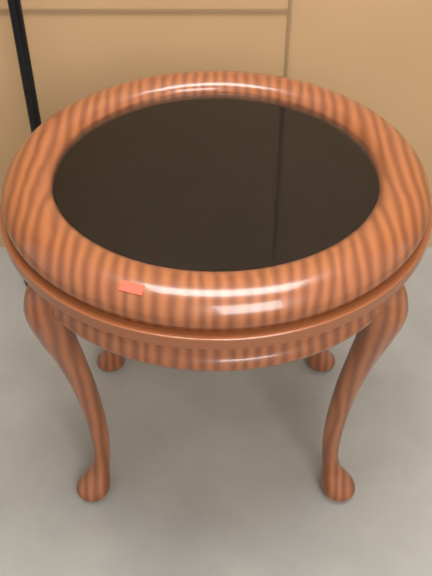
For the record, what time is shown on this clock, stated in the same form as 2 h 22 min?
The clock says 9 h 24 min
